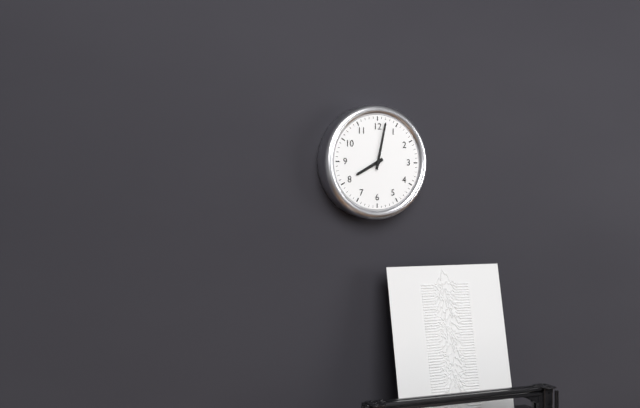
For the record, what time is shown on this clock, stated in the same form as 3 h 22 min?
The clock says 8 h 02 min
